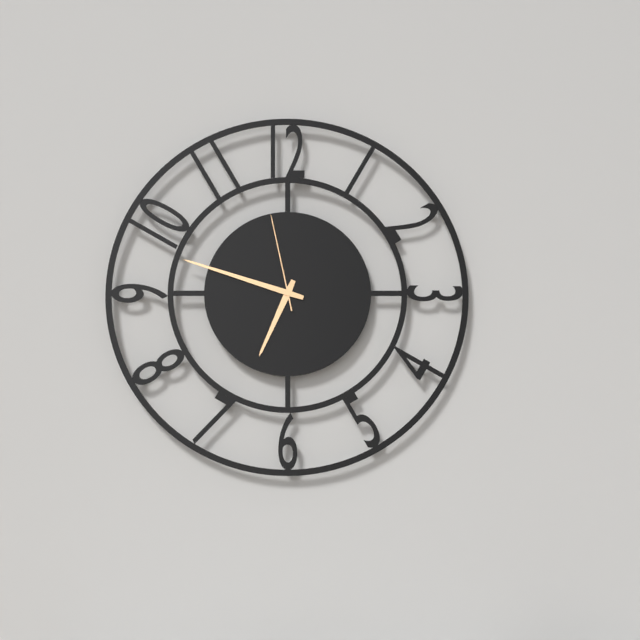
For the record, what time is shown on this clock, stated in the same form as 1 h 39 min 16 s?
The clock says 6 h 48 min 58 s
